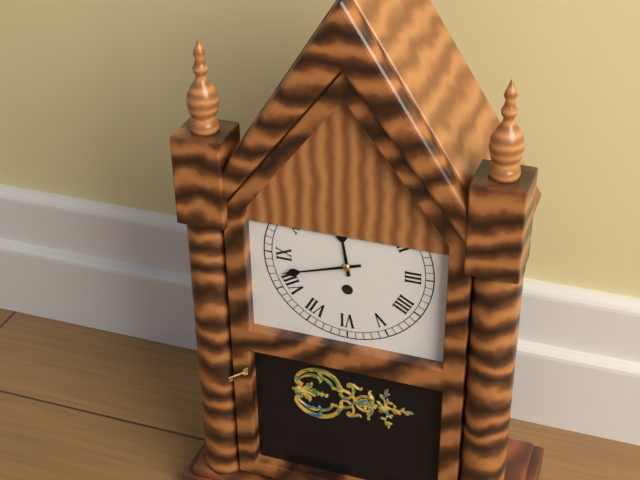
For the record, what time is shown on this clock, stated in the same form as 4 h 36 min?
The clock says 11 h 42 min
